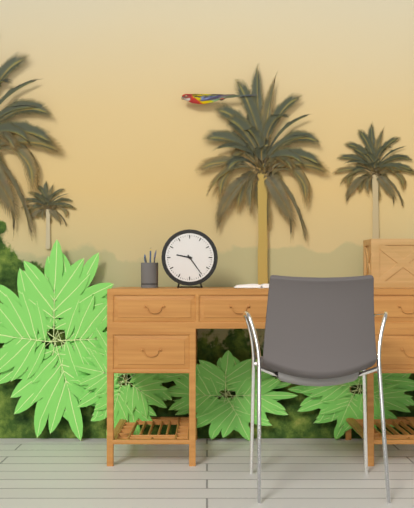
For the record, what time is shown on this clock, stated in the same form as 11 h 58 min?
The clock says 9 h 24 min
